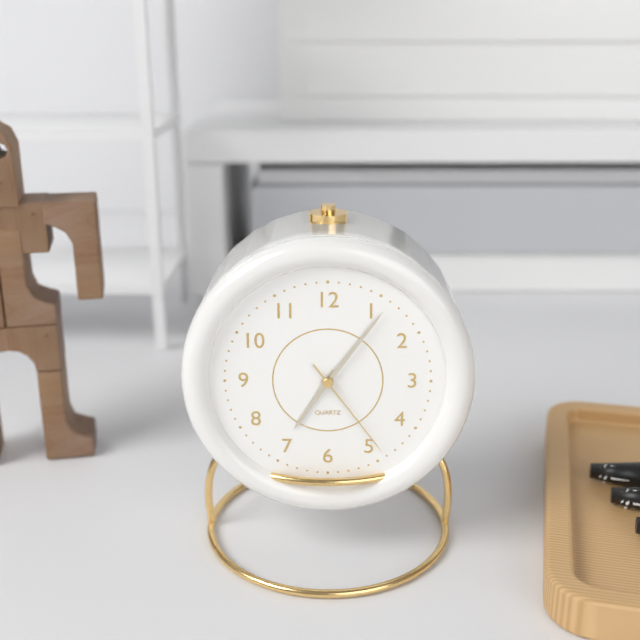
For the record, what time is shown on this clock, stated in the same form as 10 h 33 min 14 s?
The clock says 7 h 06 min 24 s
